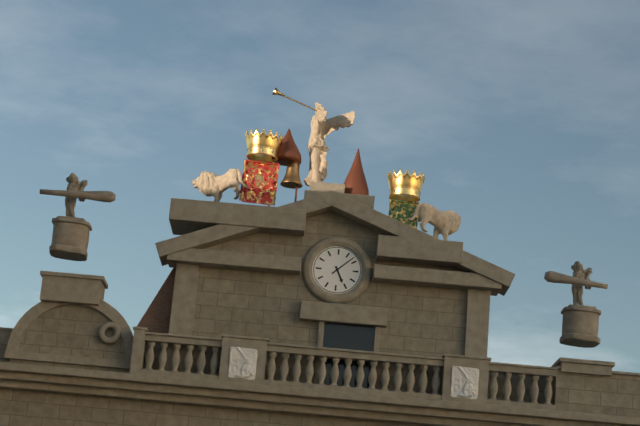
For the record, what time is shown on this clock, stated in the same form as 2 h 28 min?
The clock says 5 h 08 min
